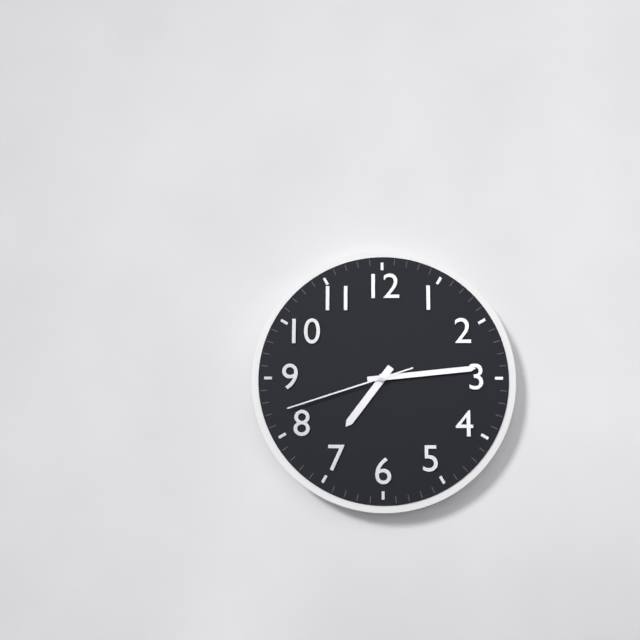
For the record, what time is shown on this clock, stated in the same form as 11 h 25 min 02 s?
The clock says 7 h 14 min 42 s
